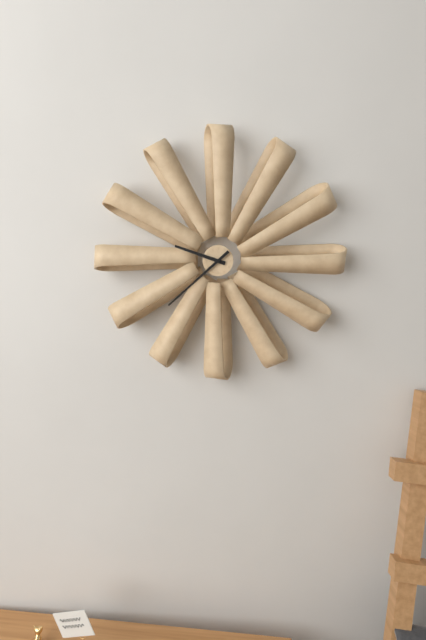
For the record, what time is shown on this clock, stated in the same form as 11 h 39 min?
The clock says 9 h 38 min
